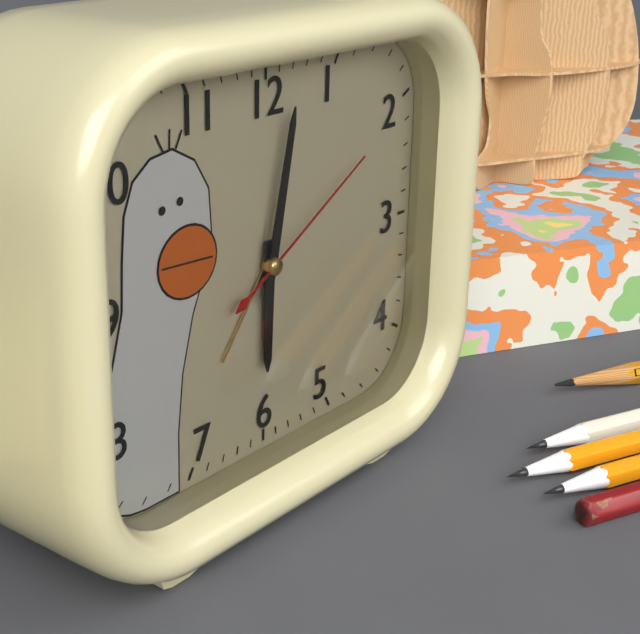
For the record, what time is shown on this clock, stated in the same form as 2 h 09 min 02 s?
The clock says 6 h 02 min 10 s
